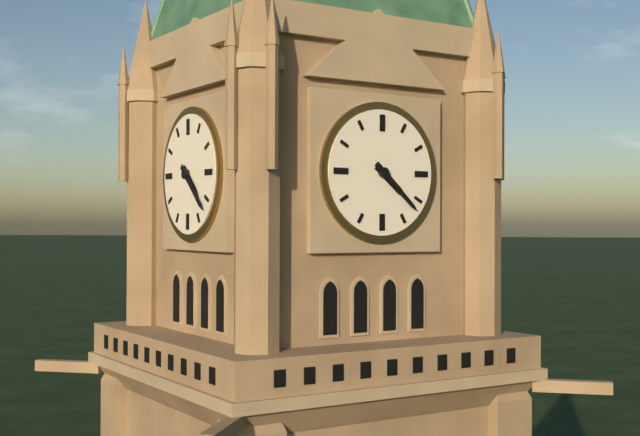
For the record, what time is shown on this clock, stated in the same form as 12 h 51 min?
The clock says 4 h 22 min
